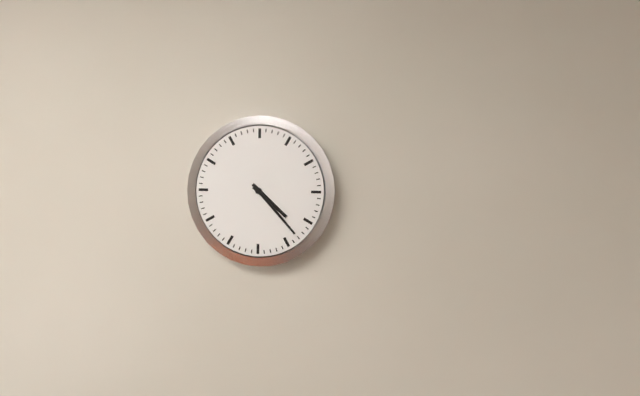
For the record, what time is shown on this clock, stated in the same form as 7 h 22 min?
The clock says 4 h 23 min
